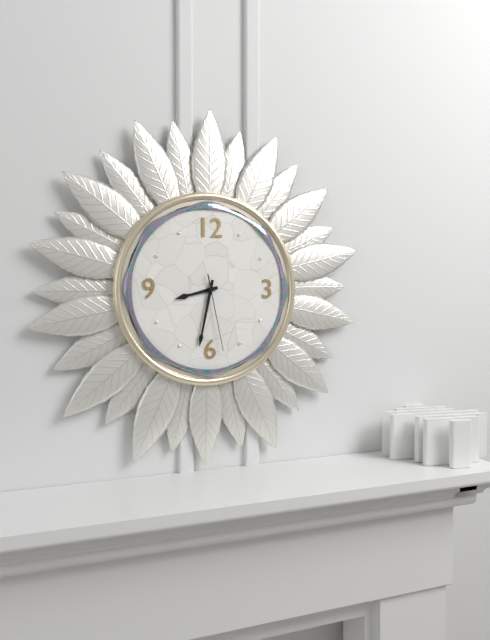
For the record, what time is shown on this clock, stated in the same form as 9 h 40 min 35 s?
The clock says 8 h 32 min 28 s
